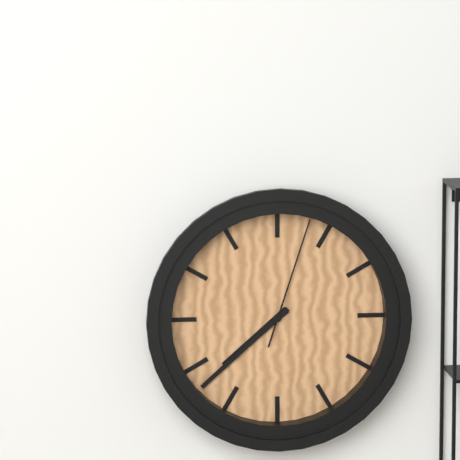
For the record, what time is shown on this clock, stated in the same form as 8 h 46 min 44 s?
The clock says 7 h 38 min 03 s
